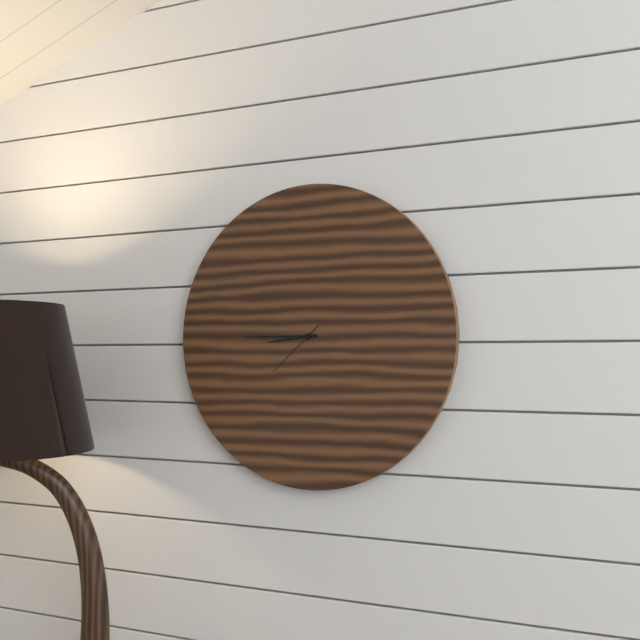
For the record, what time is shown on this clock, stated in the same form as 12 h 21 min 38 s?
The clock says 8 h 45 min 38 s
